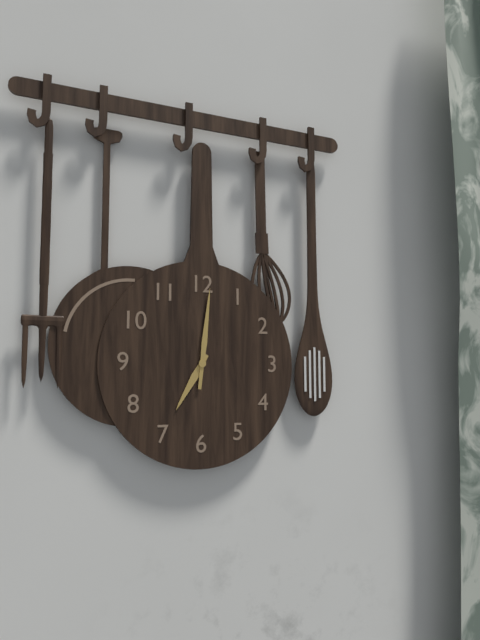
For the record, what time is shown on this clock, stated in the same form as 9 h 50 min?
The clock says 7 h 01 min
